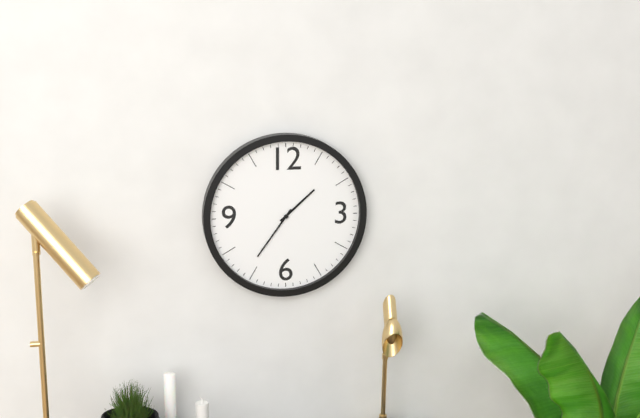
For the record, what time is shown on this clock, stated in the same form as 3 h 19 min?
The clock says 1 h 36 min
